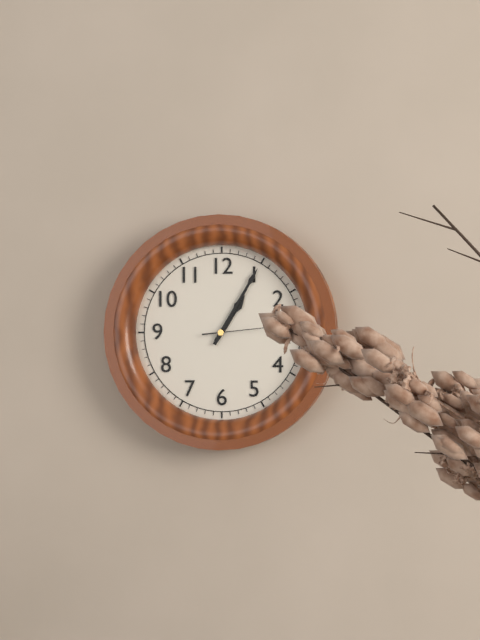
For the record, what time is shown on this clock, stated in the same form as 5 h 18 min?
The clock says 1 h 05 min
